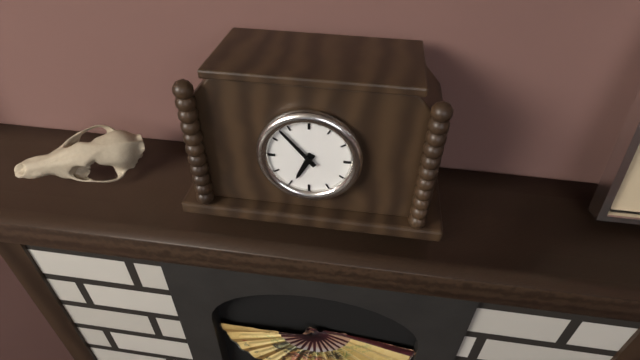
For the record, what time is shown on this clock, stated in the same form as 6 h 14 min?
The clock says 6 h 53 min
